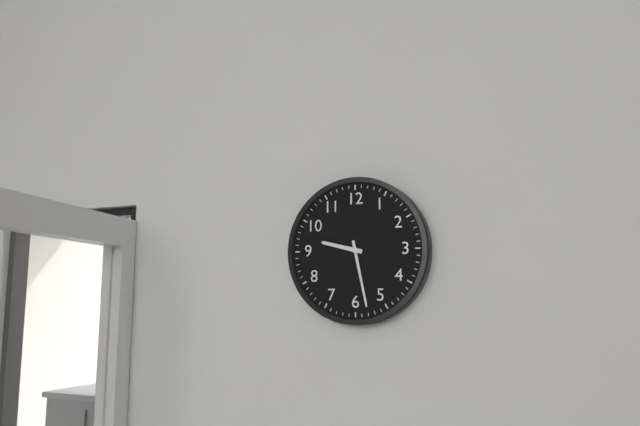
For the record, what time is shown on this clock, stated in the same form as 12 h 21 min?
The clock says 9 h 28 min
